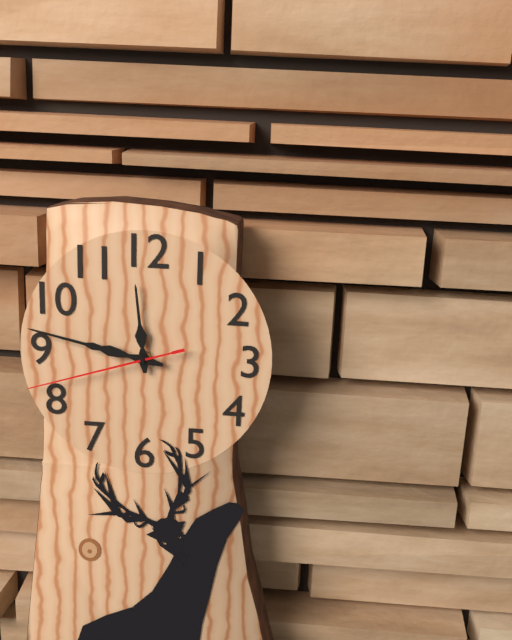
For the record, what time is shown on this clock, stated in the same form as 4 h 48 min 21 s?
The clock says 11 h 47 min 42 s
